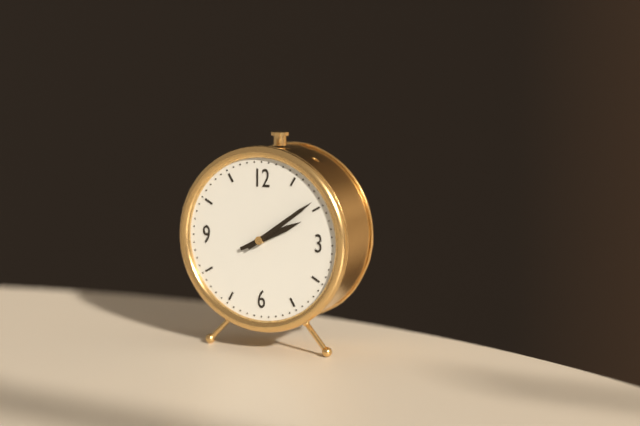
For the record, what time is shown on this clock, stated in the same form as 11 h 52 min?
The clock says 2 h 09 min
